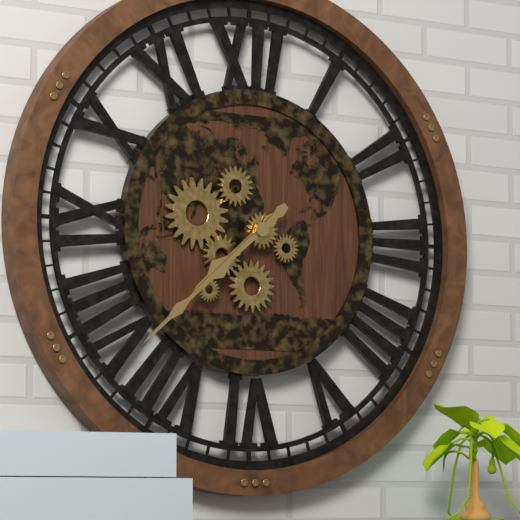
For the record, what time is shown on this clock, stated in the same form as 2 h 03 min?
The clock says 7 h 38 min
